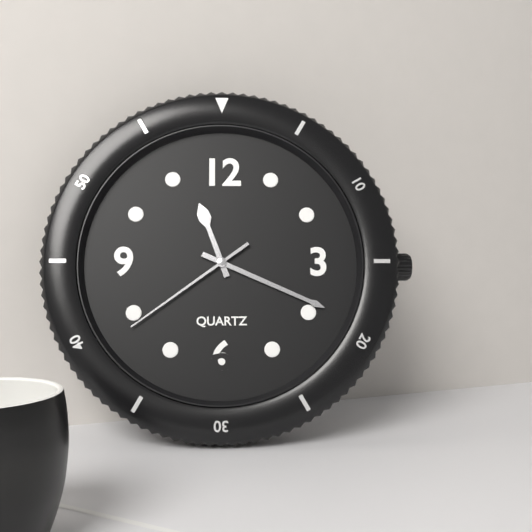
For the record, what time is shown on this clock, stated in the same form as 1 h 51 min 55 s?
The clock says 11 h 19 min 39 s
